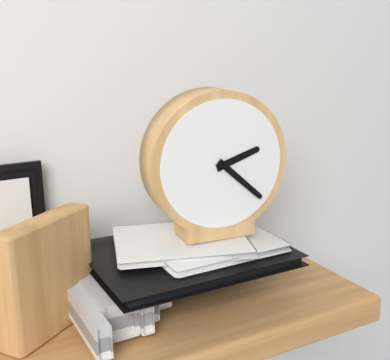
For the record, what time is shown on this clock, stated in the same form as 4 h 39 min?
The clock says 2 h 22 min
